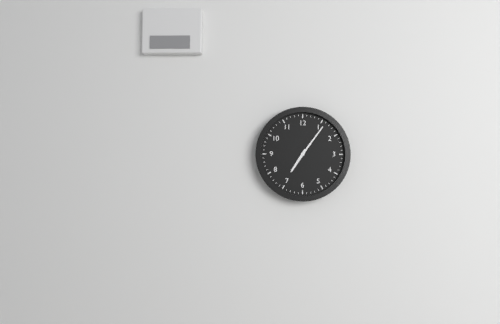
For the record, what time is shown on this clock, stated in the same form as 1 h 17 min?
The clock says 7 h 06 min
